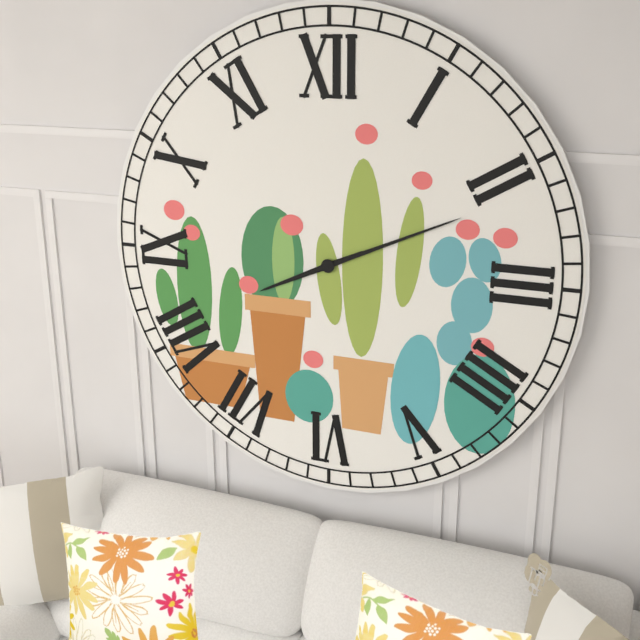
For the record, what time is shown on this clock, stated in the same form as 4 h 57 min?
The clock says 8 h 11 min
